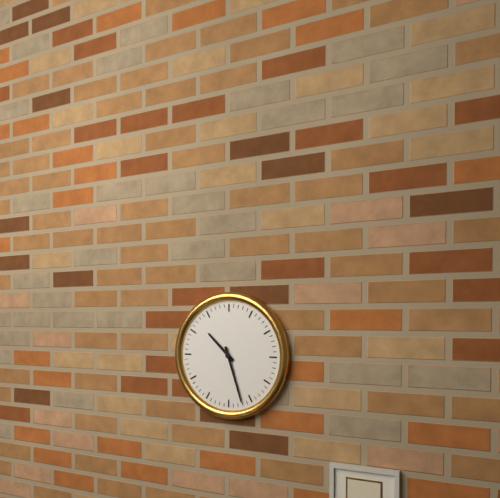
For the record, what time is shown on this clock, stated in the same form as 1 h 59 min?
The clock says 10 h 27 min
